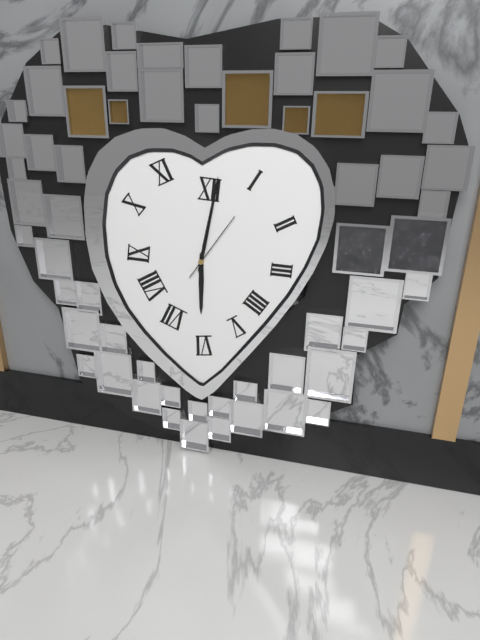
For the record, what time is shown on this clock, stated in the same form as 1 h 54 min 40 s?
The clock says 6 h 02 min 06 s
